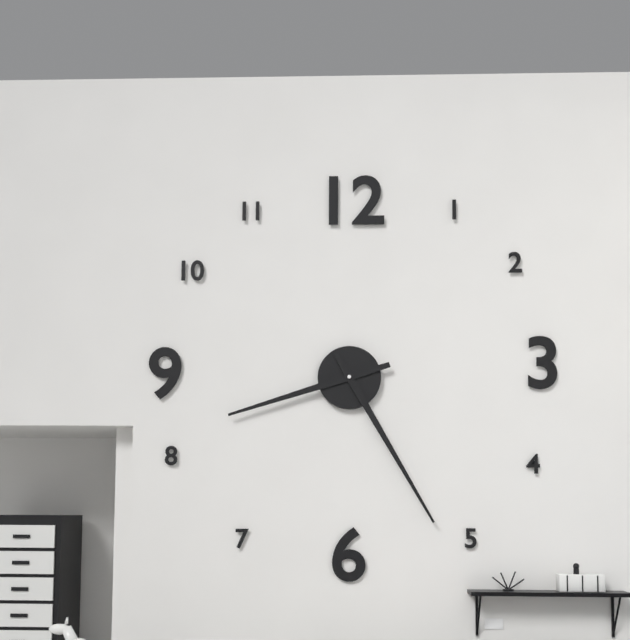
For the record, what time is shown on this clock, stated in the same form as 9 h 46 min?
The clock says 8 h 25 min
